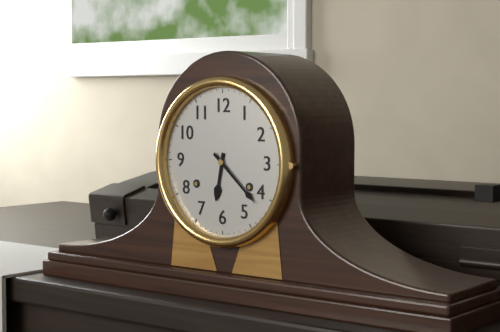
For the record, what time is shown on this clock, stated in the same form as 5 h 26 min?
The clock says 6 h 22 min
